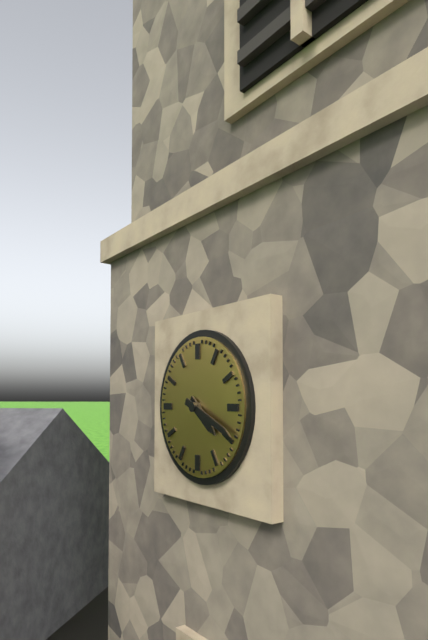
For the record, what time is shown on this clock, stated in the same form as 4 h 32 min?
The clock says 4 h 19 min
